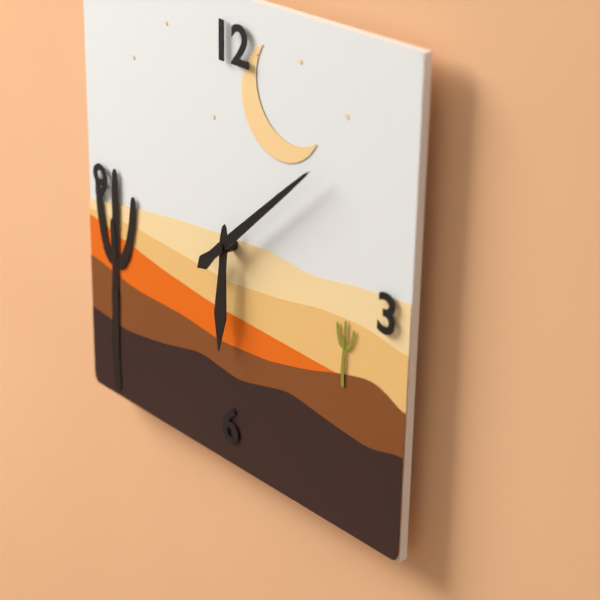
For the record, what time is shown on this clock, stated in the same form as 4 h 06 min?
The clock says 6 h 08 min
